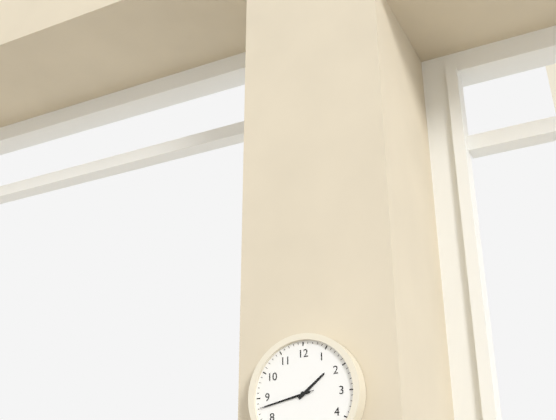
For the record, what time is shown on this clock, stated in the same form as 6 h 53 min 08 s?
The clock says 1 h 43 min 43 s
